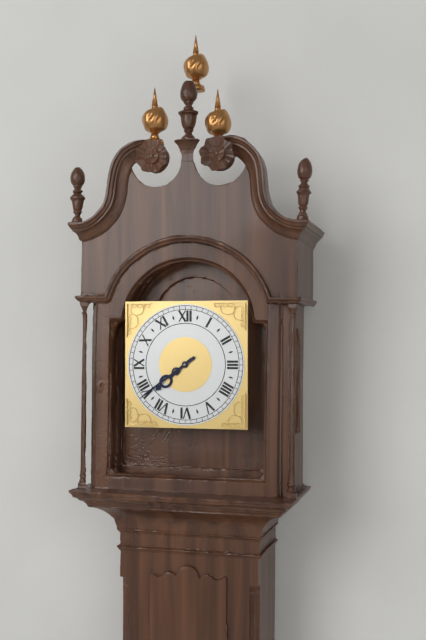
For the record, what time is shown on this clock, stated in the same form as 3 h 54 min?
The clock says 7 h 39 min
